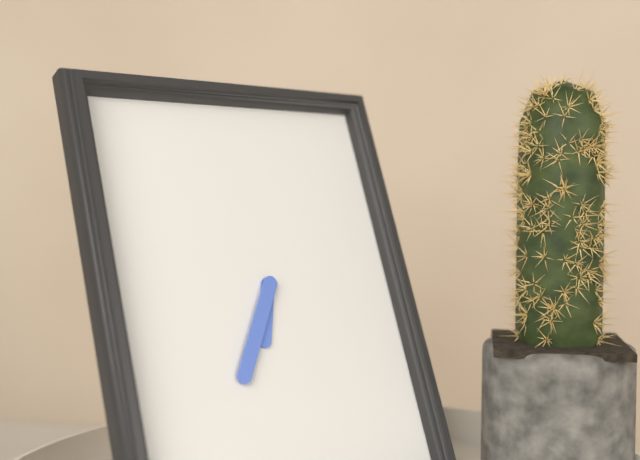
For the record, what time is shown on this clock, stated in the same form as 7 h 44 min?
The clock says 6 h 35 min
